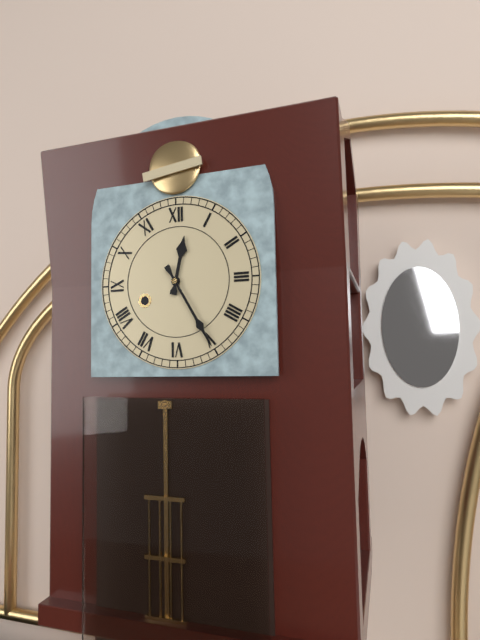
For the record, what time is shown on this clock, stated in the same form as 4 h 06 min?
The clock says 12 h 25 min
